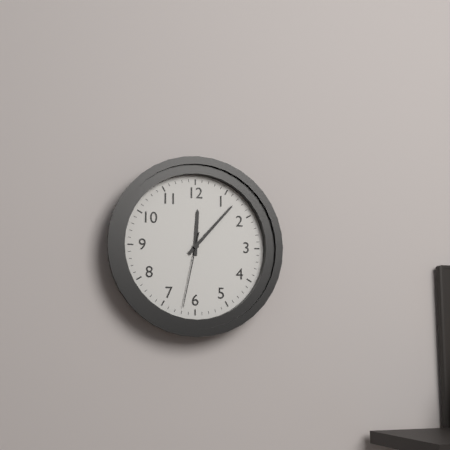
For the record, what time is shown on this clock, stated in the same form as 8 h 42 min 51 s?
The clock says 12 h 07 min 32 s
